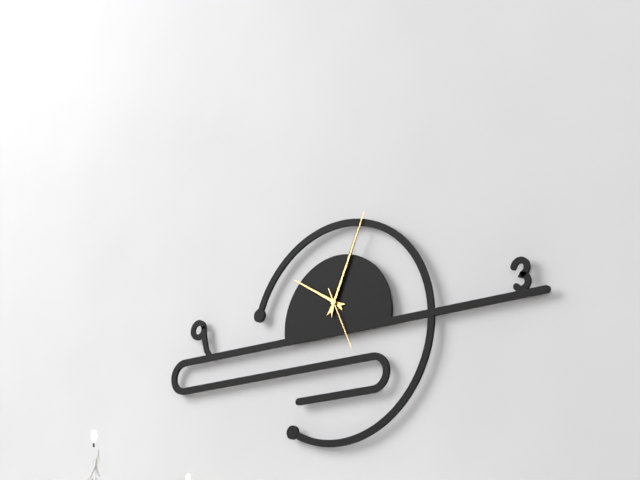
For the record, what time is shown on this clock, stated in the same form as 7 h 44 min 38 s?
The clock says 10 h 04 min 26 s
